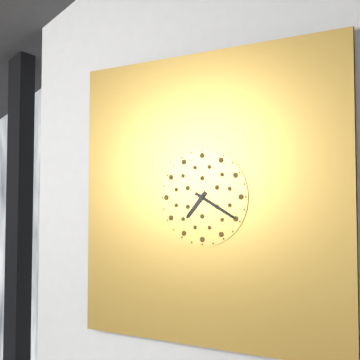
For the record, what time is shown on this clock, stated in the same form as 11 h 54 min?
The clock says 7 h 20 min
